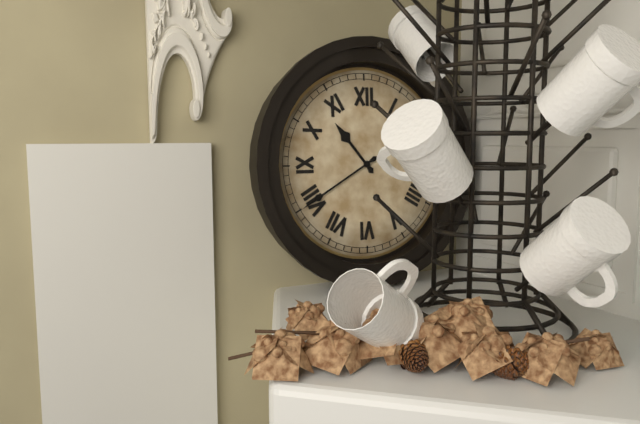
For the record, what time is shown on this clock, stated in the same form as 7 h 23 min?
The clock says 10 h 40 min
